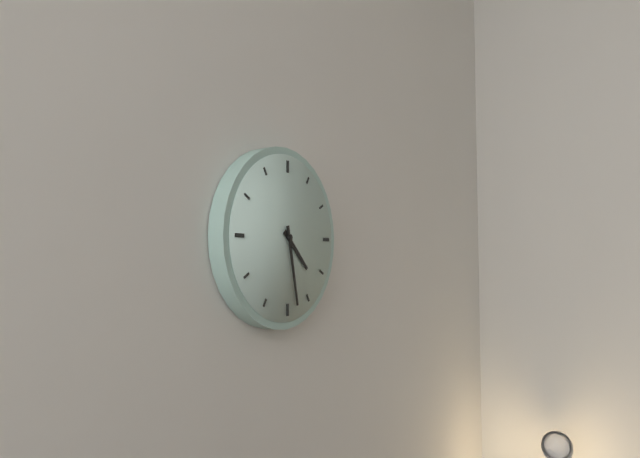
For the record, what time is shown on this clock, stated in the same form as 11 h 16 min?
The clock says 4 h 28 min
